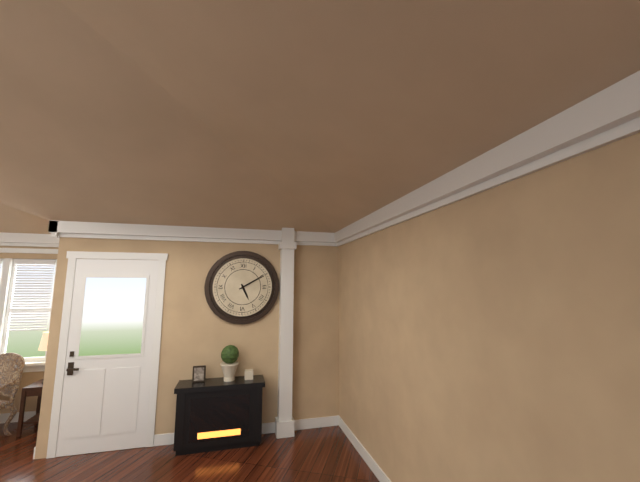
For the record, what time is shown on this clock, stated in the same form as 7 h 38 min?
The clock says 5 h 10 min
